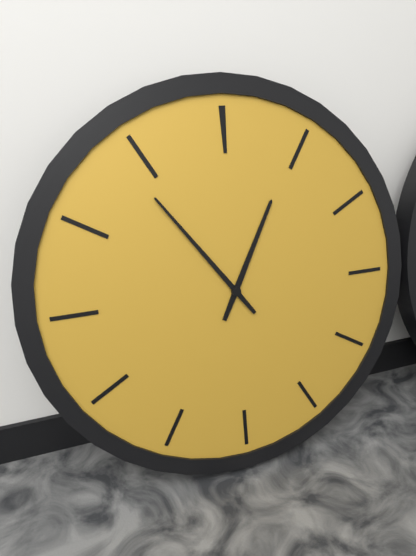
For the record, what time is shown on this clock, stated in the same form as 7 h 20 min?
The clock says 12 h 54 min
